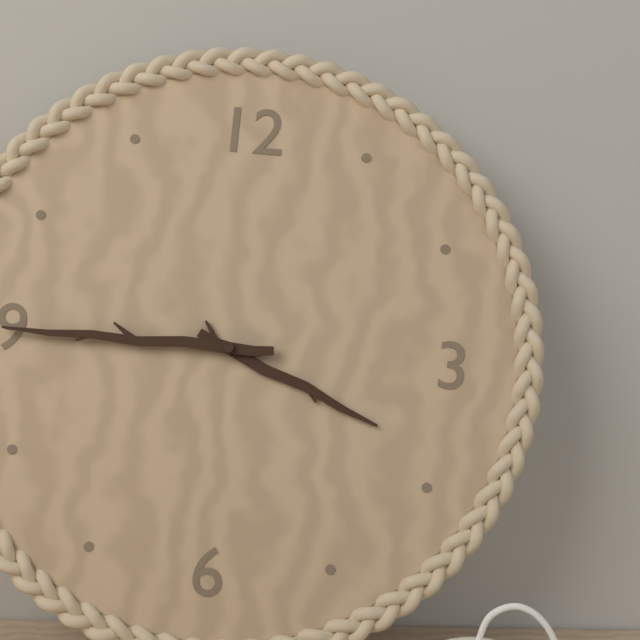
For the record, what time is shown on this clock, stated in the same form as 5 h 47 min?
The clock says 3 h 45 min
